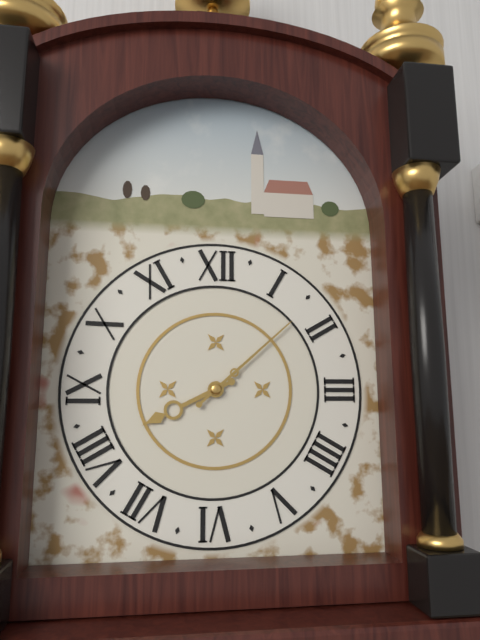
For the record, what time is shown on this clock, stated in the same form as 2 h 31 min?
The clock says 8 h 08 min
